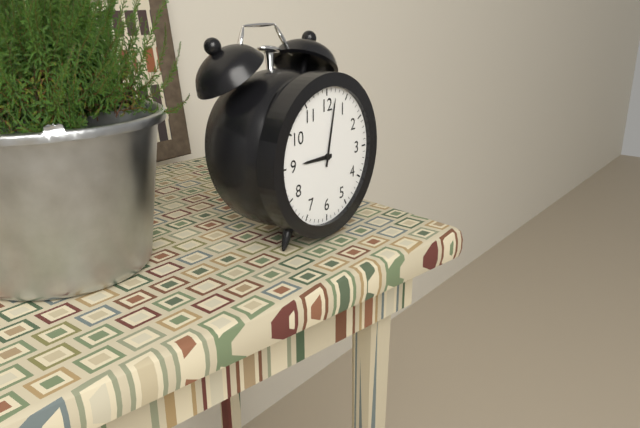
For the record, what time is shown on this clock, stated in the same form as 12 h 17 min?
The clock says 9 h 02 min
